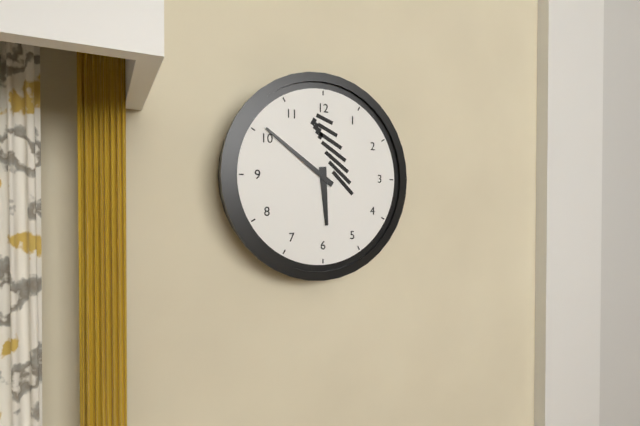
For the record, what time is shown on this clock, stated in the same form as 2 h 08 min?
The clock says 5 h 51 min
